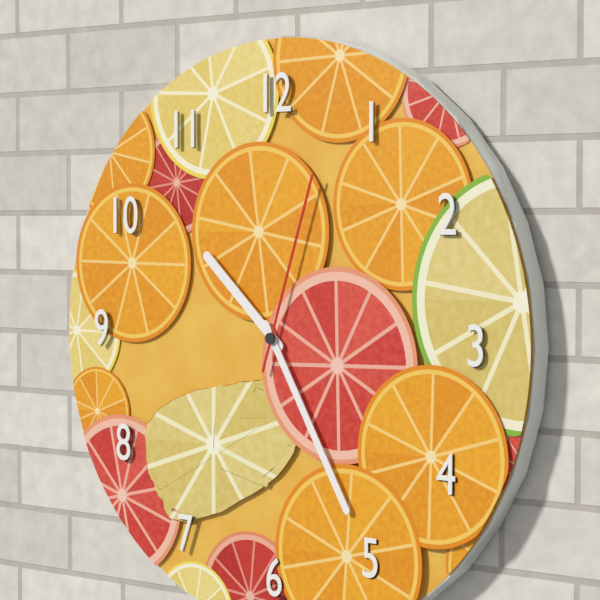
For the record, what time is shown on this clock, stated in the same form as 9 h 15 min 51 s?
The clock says 10 h 25 min 03 s
